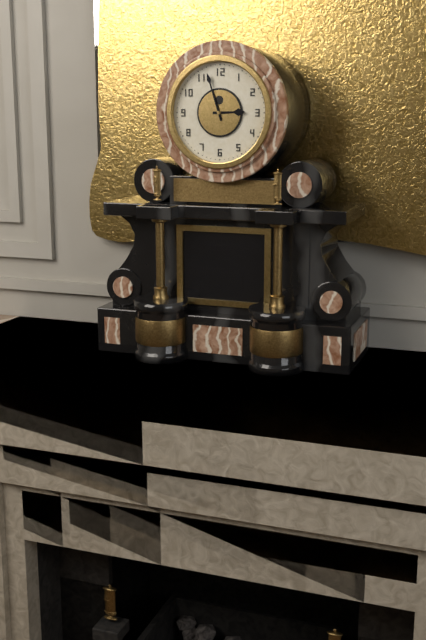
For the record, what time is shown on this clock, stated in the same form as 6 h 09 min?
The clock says 2 h 57 min
